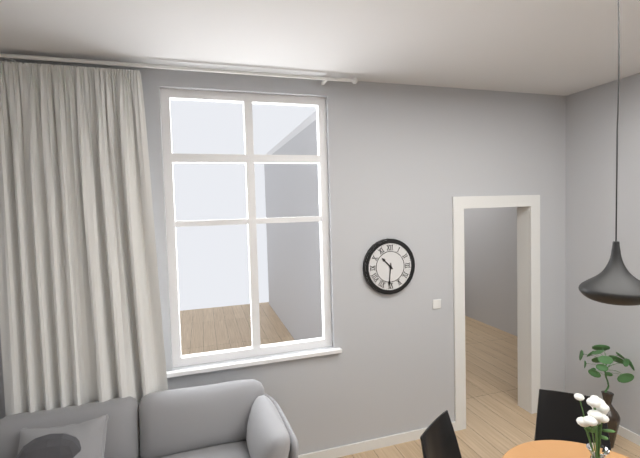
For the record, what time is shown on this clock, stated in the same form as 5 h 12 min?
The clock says 10 h 31 min
